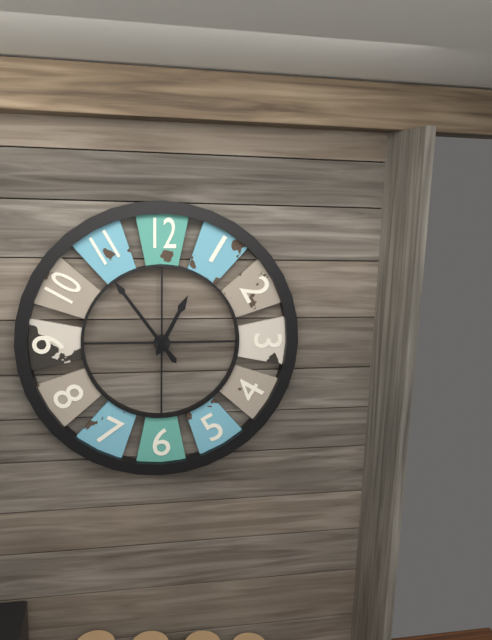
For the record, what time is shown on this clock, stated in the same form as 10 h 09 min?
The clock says 12 h 54 min
